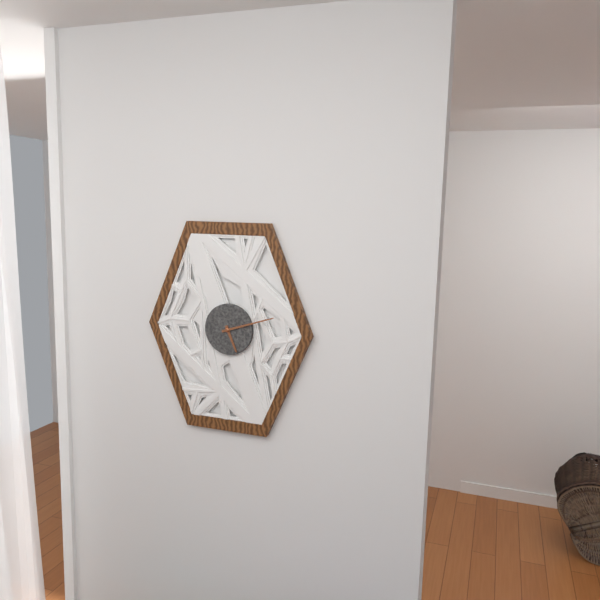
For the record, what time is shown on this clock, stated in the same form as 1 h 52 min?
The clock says 5 h 12 min
